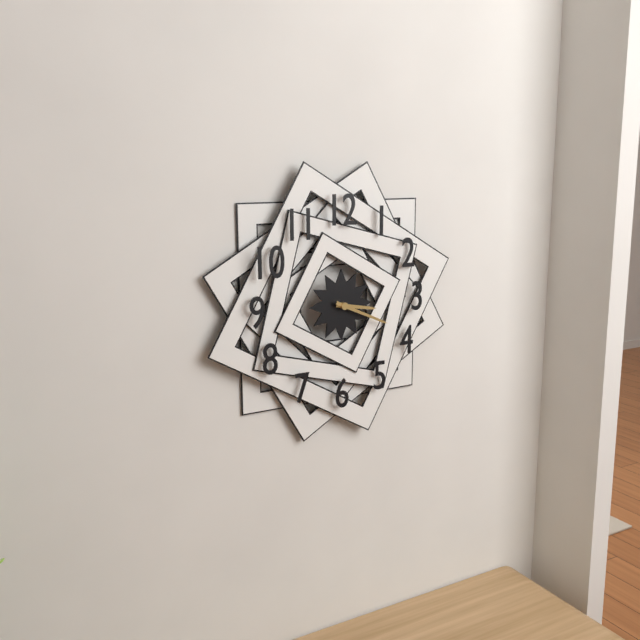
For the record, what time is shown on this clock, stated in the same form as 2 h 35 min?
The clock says 3 h 19 min
